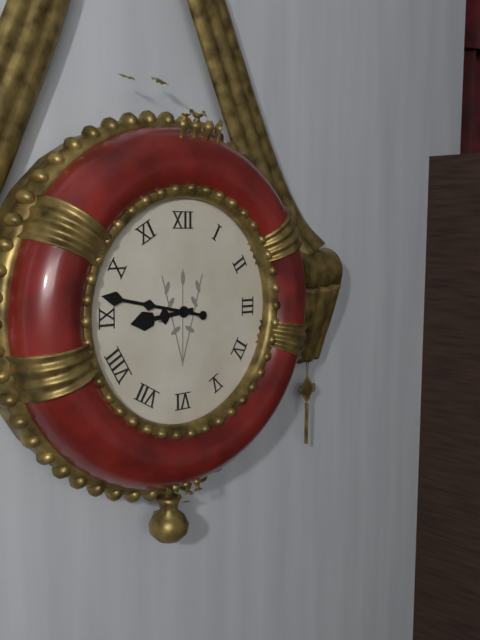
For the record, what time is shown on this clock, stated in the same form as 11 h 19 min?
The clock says 8 h 47 min
